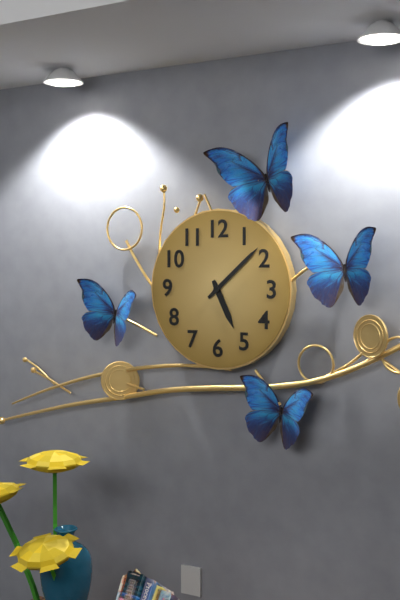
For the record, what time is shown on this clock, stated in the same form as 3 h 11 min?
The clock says 5 h 08 min
